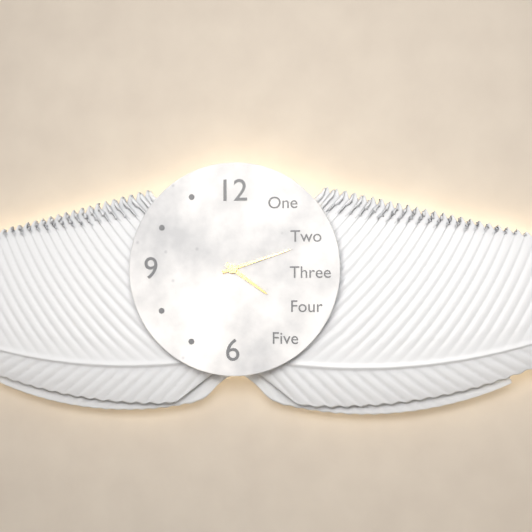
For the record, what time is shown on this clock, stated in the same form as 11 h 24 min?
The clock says 4 h 12 min
